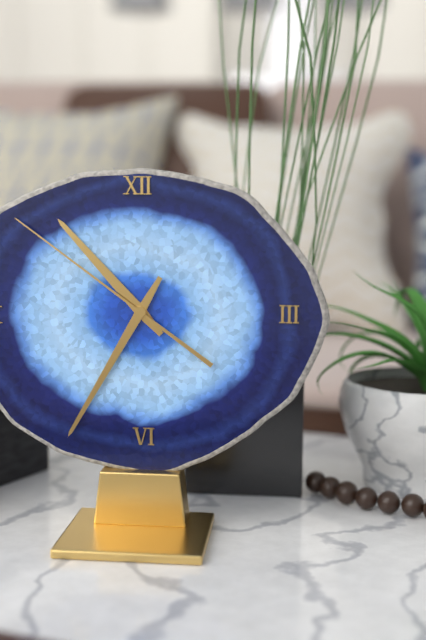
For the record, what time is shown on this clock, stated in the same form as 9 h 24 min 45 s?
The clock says 10 h 35 min 51 s
